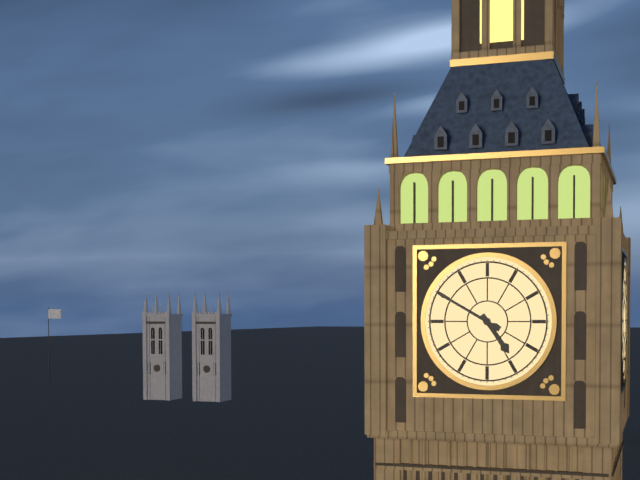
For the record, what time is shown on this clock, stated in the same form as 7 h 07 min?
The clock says 4 h 50 min
